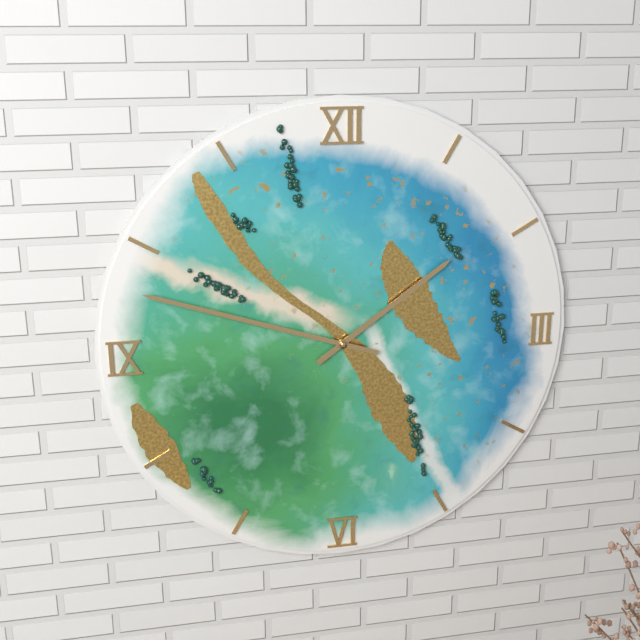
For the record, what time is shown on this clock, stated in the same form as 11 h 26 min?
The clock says 1 h 48 min
